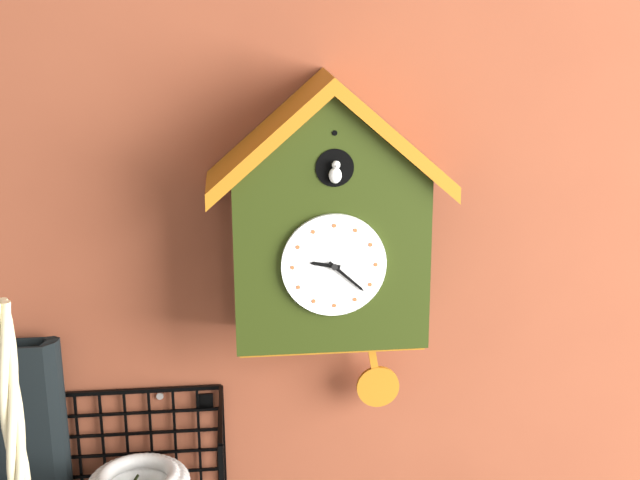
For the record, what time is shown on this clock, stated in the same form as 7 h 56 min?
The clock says 9 h 22 min
